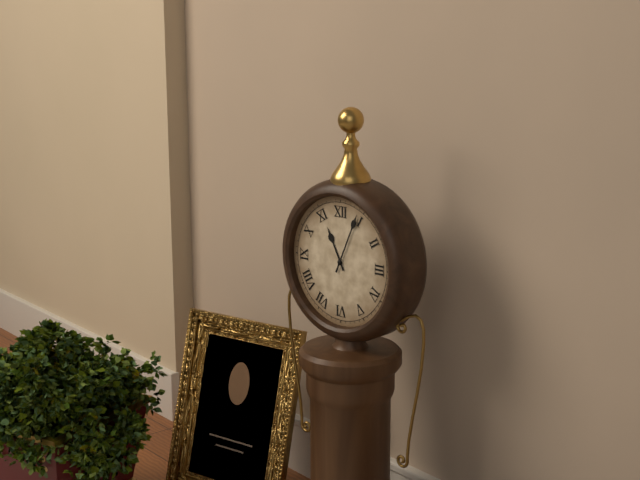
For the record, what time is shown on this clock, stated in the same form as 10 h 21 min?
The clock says 11 h 04 min
